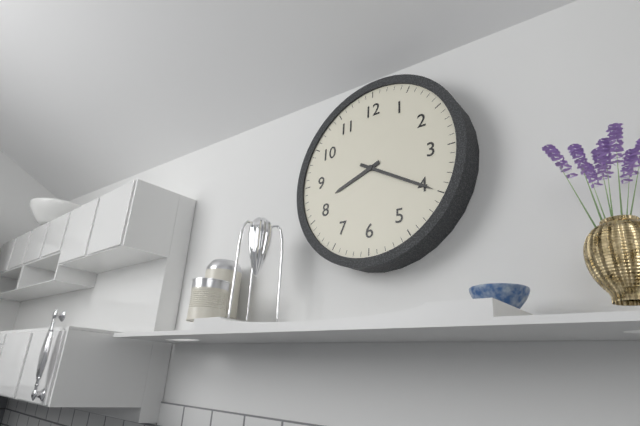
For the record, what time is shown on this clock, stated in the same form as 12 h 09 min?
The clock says 8 h 20 min
